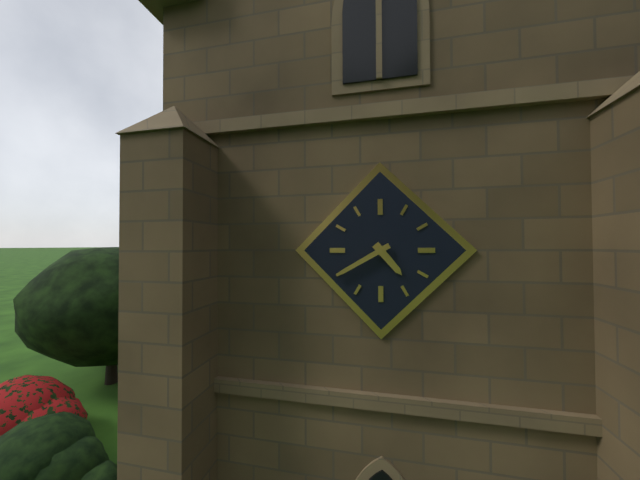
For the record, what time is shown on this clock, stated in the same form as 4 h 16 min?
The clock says 4 h 40 min
